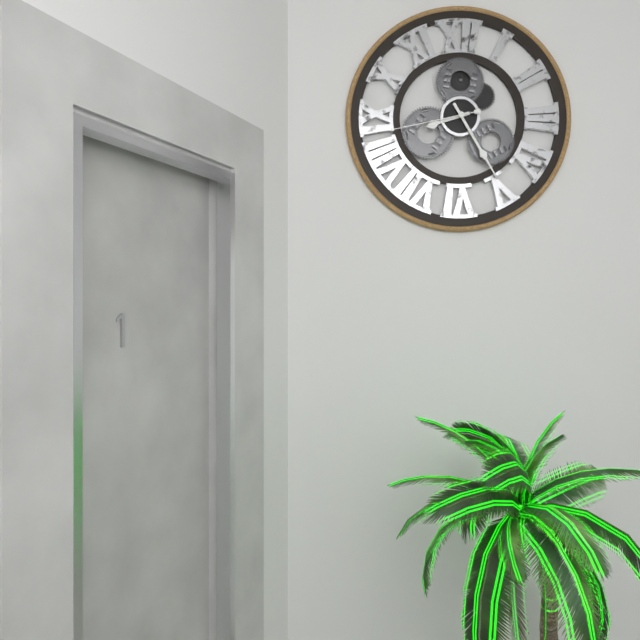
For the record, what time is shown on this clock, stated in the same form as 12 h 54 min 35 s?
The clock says 8 h 25 min 43 s
